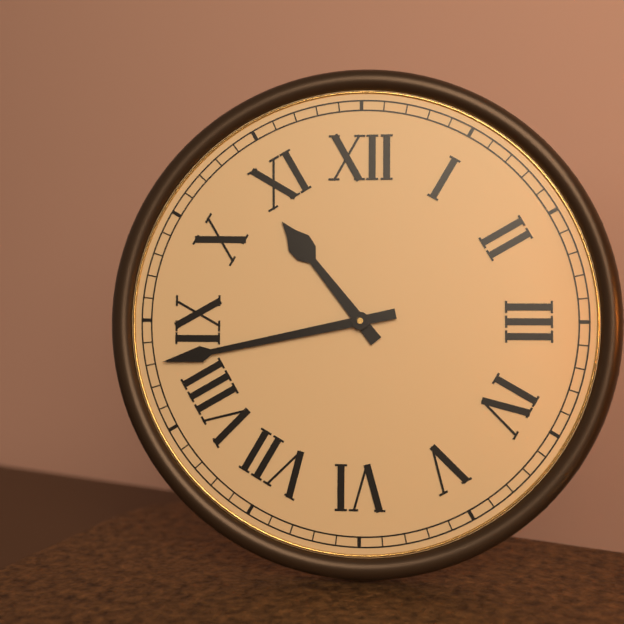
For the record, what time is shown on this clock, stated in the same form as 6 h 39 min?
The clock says 10 h 43 min
